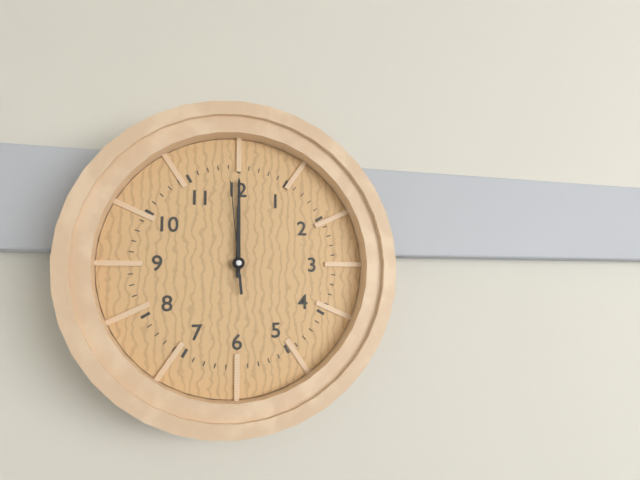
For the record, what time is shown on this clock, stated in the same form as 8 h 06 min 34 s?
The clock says 12 h 00 min 59 s
